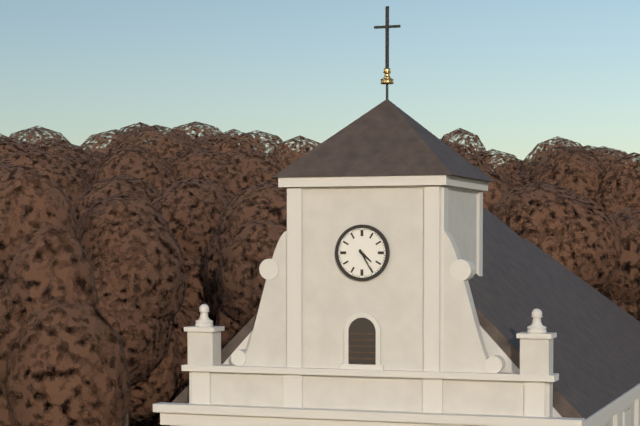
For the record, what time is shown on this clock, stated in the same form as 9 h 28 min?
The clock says 4 h 25 min
